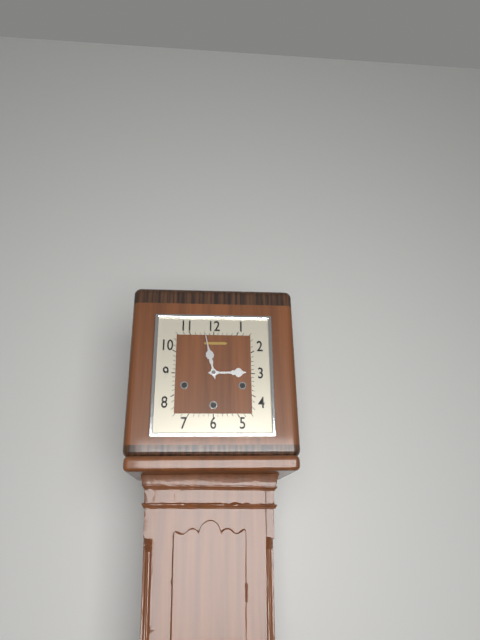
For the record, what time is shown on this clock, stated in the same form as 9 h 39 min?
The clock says 2 h 58 min
